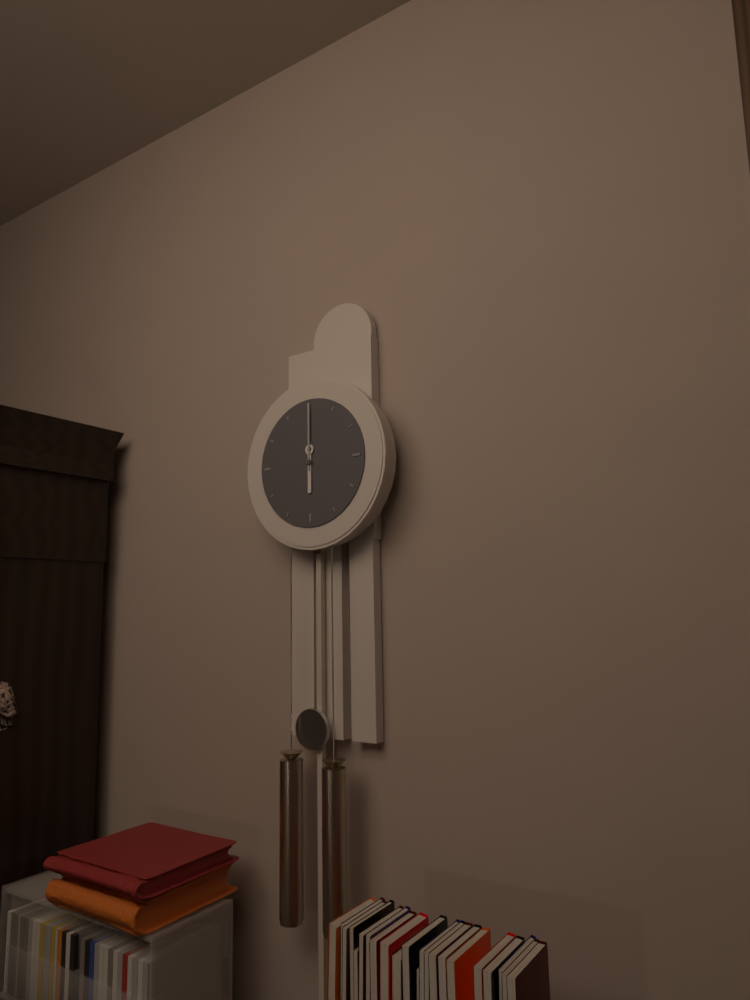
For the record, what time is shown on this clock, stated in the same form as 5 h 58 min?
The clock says 6 h 00 min
